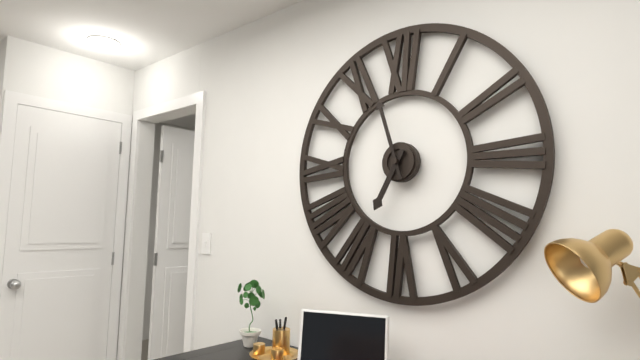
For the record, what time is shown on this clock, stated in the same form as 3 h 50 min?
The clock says 6 h 57 min
